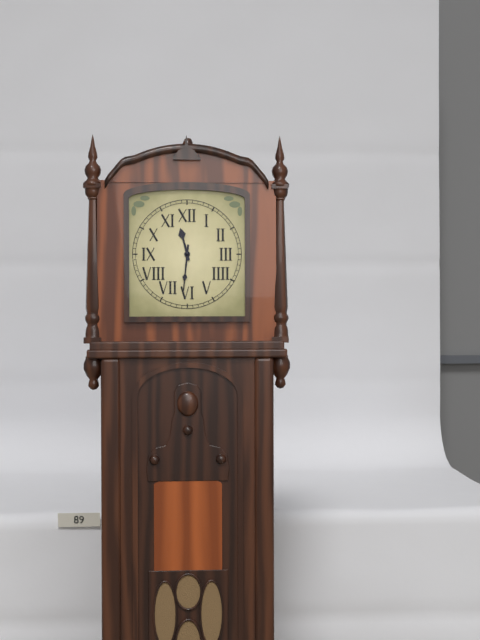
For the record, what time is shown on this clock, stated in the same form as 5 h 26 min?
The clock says 11 h 31 min
